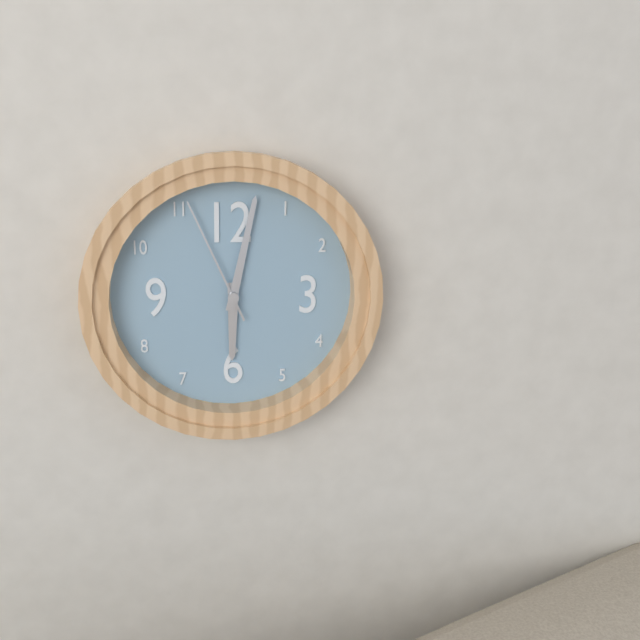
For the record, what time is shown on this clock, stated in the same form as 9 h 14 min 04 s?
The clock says 6 h 02 min 56 s
